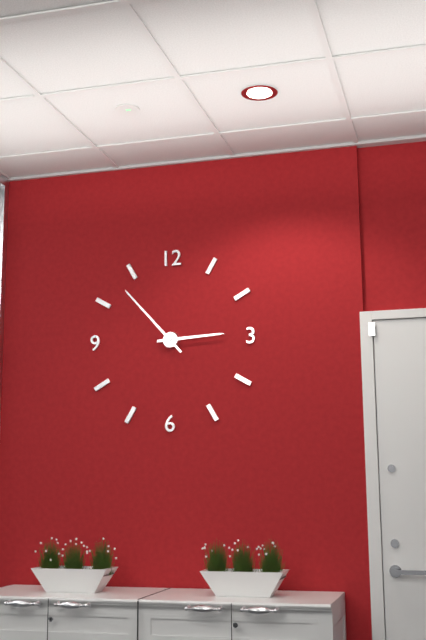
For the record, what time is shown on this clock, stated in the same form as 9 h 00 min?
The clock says 2 h 53 min
